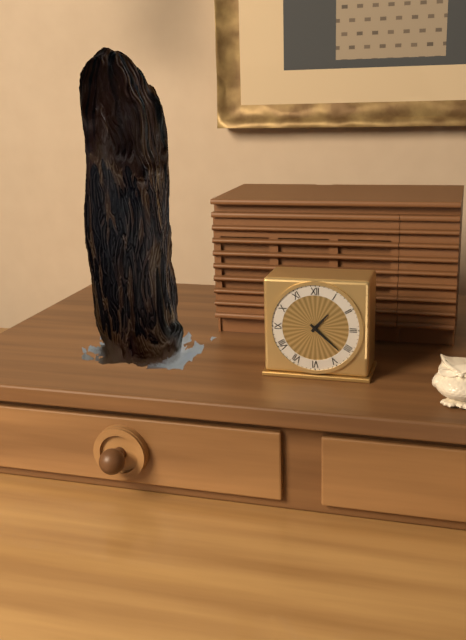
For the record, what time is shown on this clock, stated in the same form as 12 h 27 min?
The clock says 1 h 22 min
